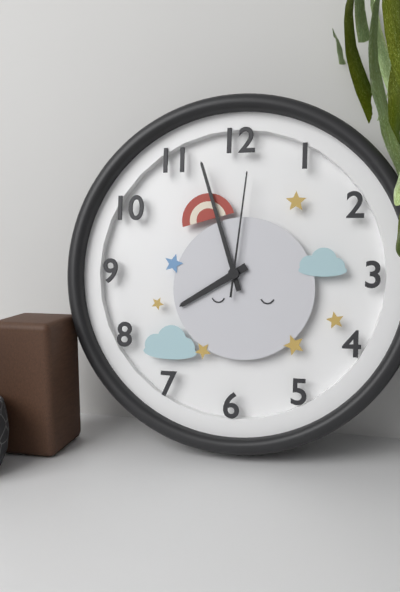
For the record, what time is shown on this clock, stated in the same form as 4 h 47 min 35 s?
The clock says 7 h 57 min 01 s
